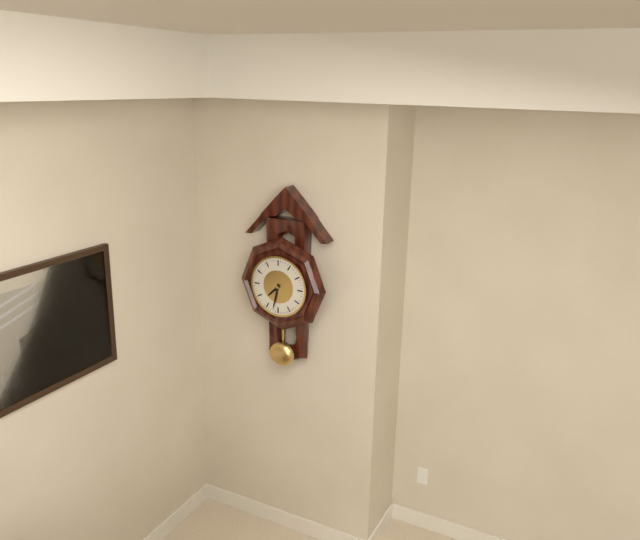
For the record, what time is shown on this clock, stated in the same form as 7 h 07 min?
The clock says 7 h 32 min
